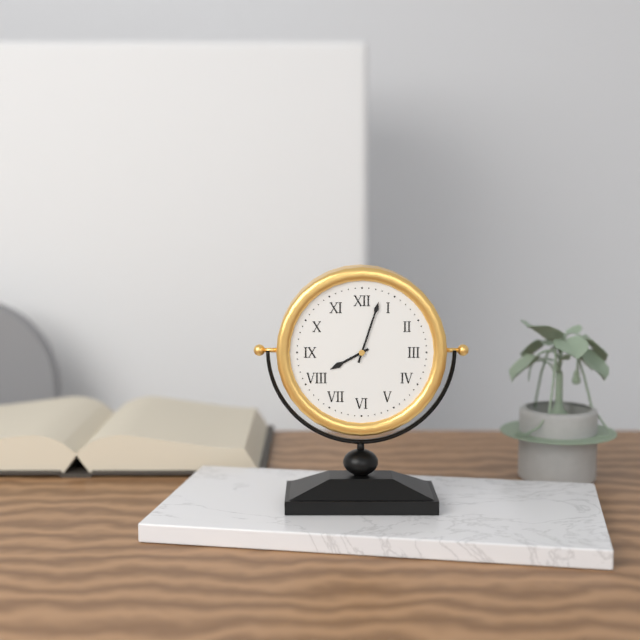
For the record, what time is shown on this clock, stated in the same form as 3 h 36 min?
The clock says 8 h 03 min
